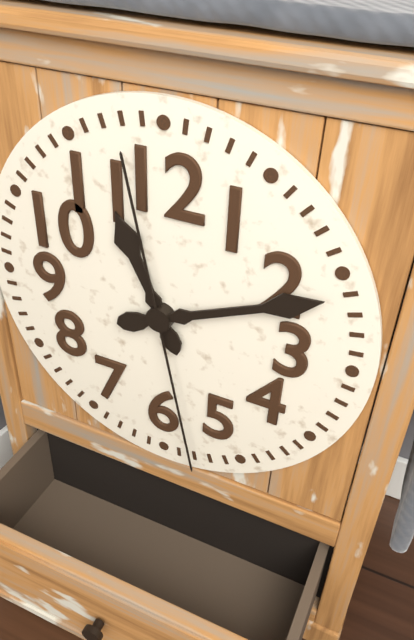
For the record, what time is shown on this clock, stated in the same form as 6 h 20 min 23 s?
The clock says 11 h 11 min 28 s
